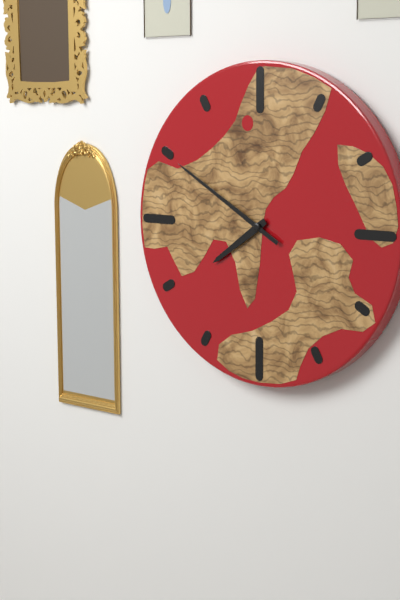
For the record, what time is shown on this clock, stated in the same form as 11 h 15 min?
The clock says 7 h 50 min
